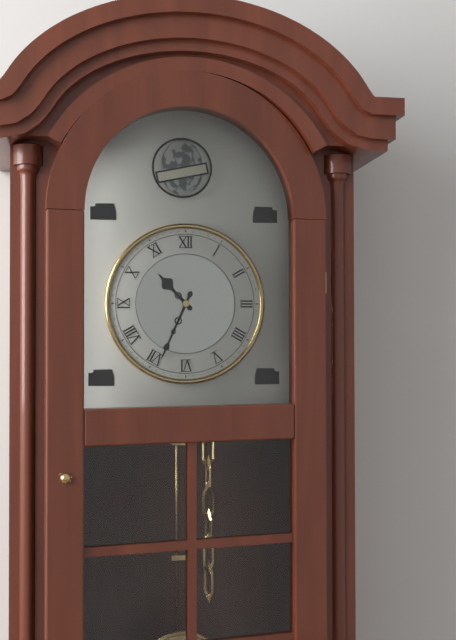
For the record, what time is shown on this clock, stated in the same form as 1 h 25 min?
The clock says 10 h 34 min
